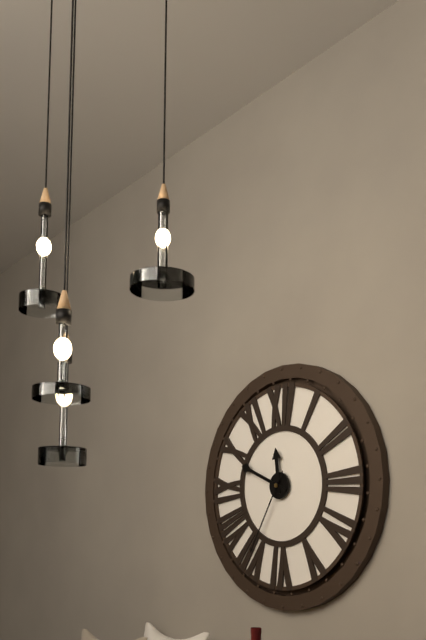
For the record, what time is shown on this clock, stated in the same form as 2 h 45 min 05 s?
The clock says 11 h 49 min 35 s
